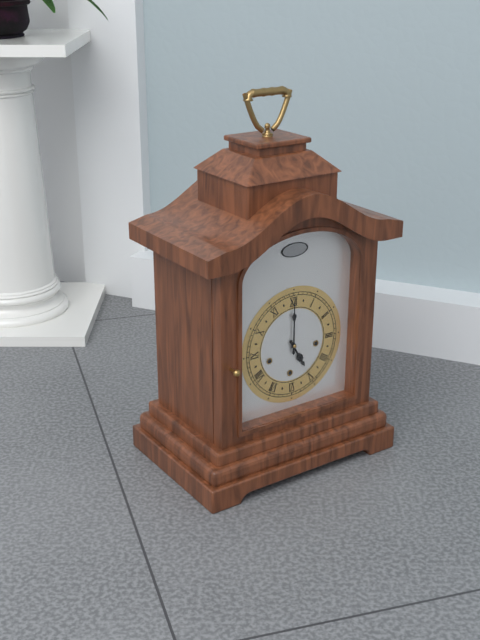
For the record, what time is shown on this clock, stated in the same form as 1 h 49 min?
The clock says 5 h 00 min
